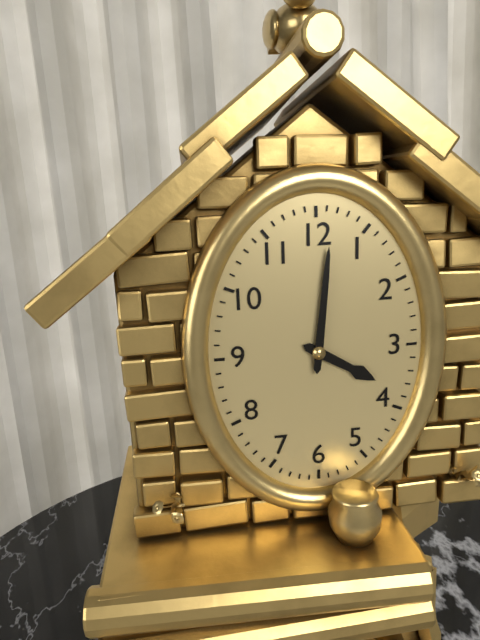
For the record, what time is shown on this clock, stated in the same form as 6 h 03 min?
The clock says 4 h 01 min
